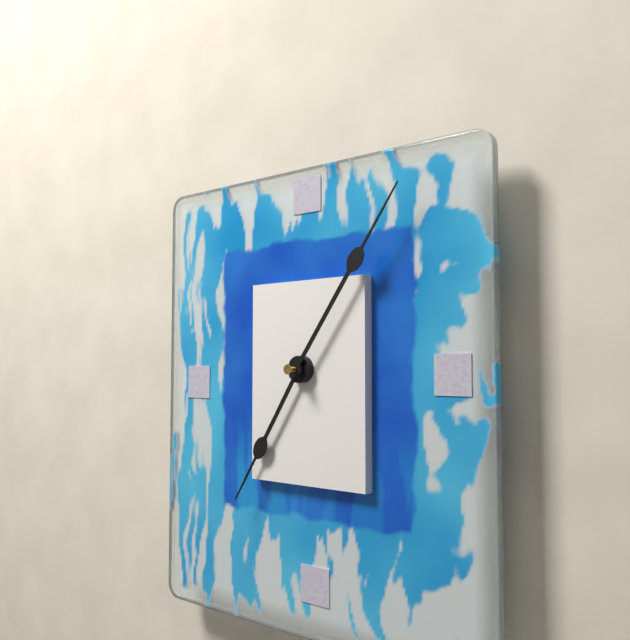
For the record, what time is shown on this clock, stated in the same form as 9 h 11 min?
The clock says 7 h 06 min
